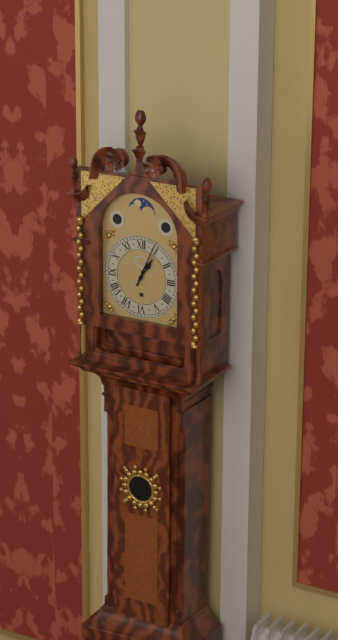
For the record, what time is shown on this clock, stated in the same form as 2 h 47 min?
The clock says 1 h 04 min
